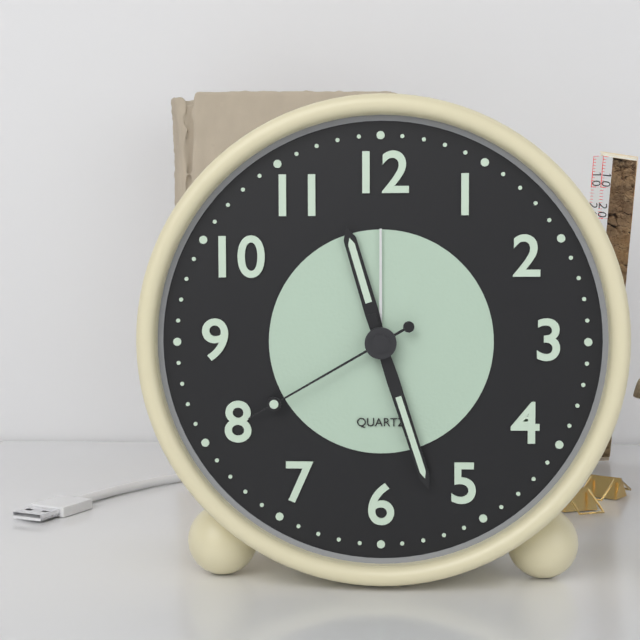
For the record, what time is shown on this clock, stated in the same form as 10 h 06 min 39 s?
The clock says 11 h 27 min 40 s
